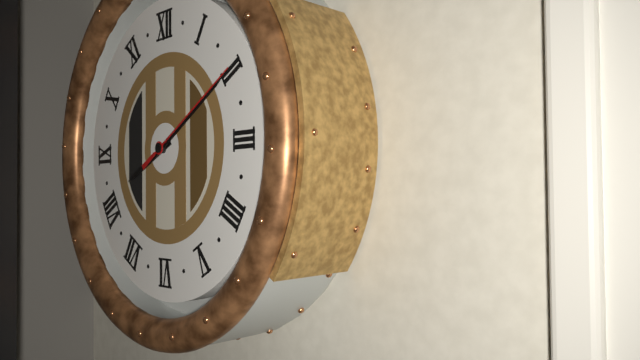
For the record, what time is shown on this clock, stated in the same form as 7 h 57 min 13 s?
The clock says 8 h 10 min 10 s
